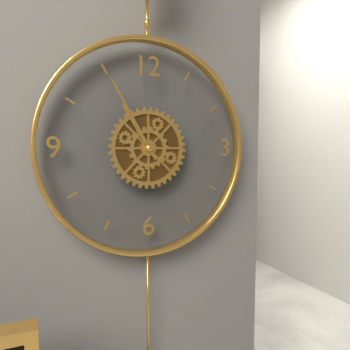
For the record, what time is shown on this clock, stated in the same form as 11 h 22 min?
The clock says 10 h 55 min
